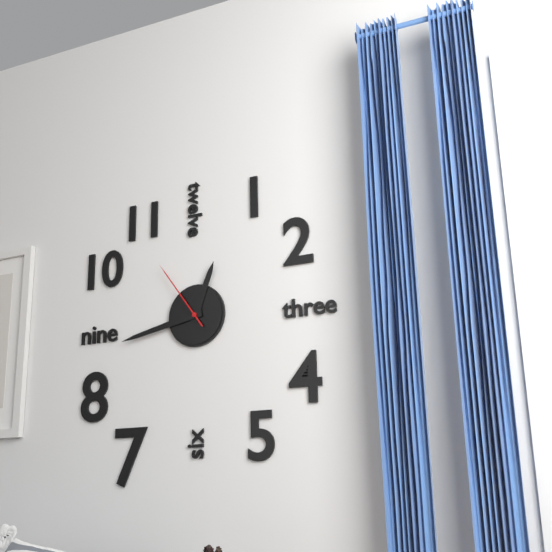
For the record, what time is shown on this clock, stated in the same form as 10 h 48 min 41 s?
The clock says 12 h 43 min 54 s
